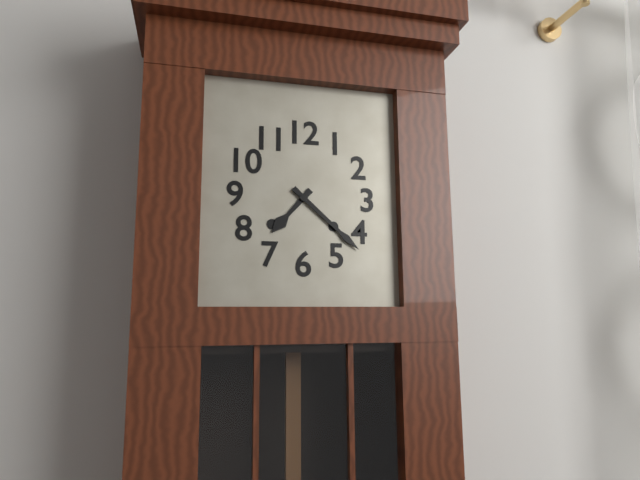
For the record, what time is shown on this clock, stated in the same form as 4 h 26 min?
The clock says 7 h 22 min
